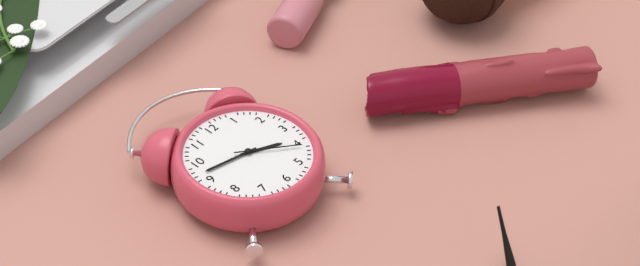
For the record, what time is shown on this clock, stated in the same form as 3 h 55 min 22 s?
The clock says 3 h 47 min 21 s
